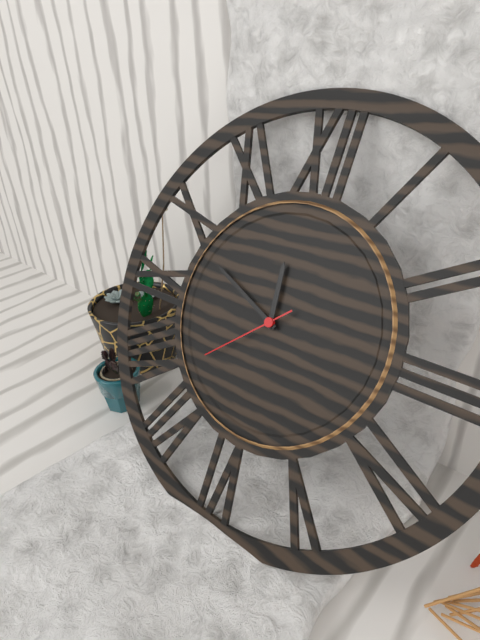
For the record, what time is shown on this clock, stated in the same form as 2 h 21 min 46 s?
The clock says 11 h 49 min 38 s
